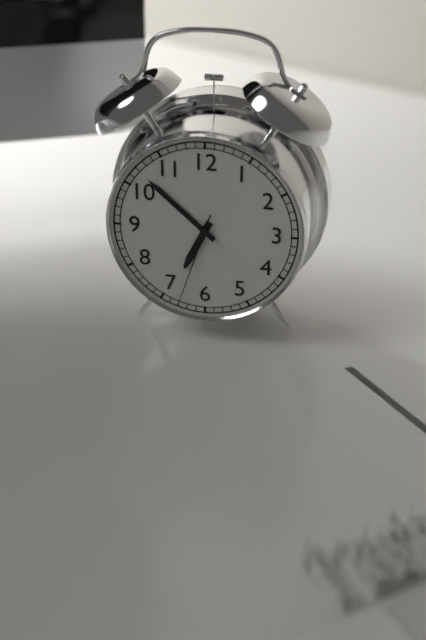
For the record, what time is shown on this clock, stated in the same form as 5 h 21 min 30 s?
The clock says 6 h 52 min 33 s
